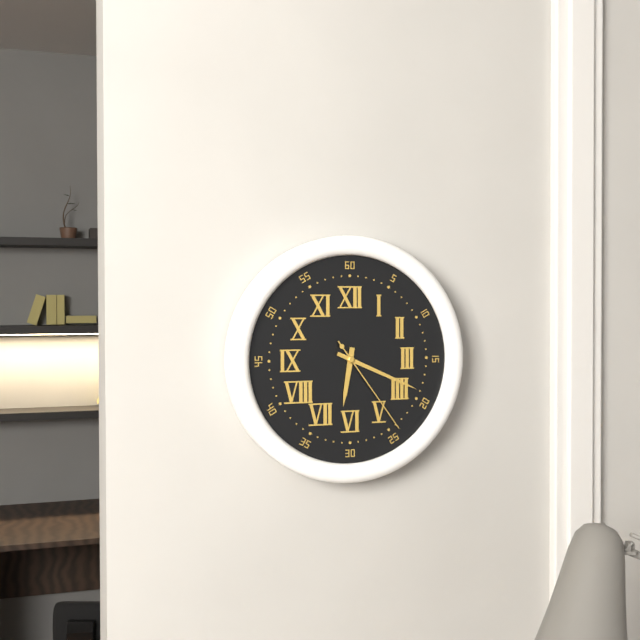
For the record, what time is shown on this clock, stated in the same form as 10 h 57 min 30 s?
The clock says 6 h 19 min 24 s
